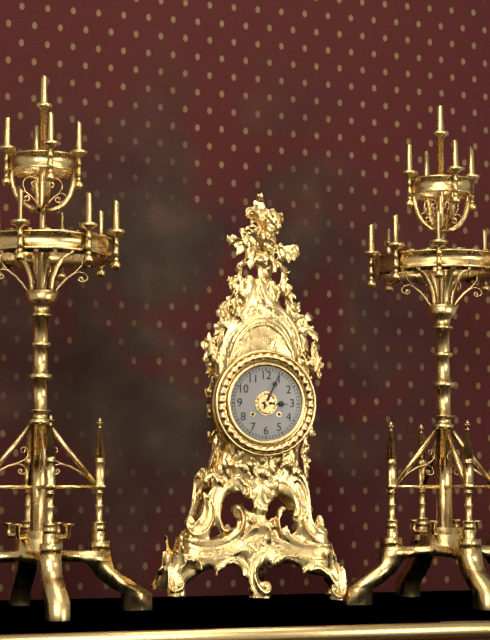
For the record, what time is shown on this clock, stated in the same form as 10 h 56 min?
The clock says 3 h 04 min
